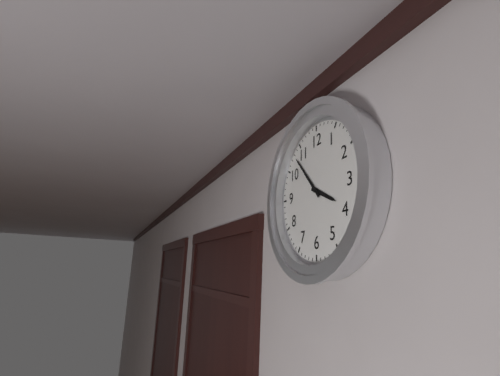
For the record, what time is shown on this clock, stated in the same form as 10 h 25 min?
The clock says 3 h 53 min
